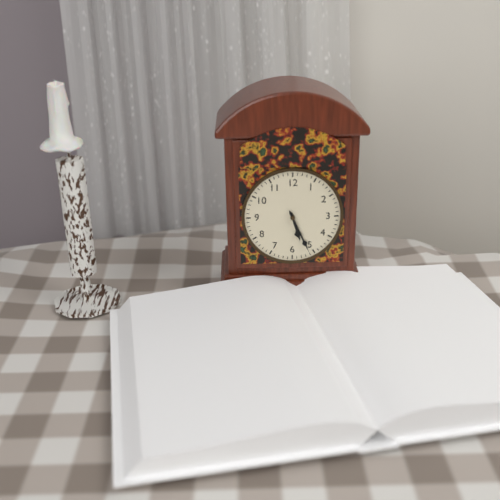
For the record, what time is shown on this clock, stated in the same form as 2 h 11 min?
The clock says 5 h 26 min
